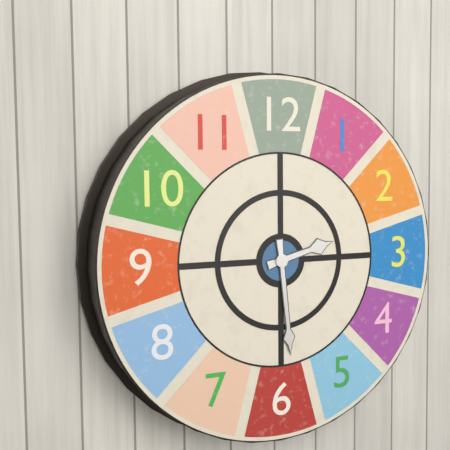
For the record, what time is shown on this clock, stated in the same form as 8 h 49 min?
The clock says 2 h 29 min
